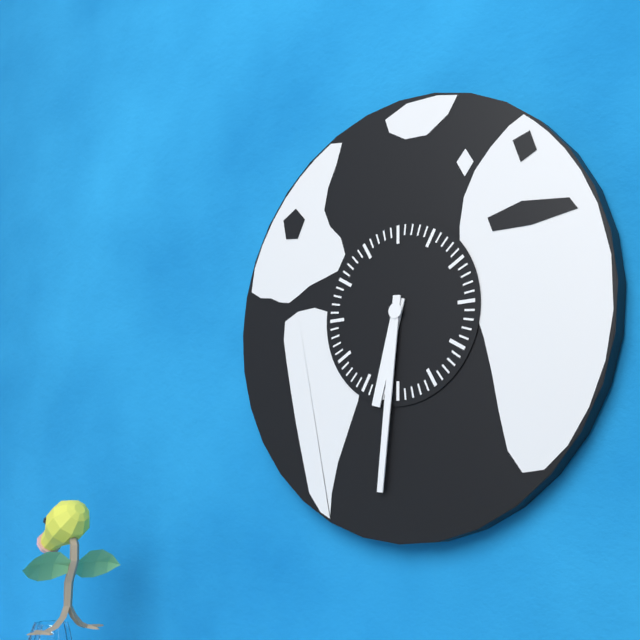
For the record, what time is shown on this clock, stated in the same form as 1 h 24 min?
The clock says 6 h 31 min
